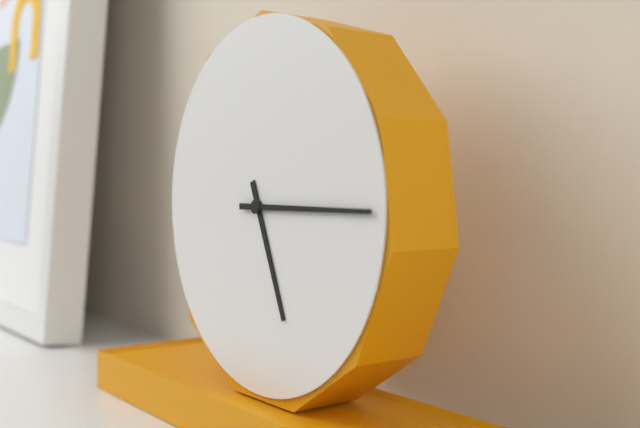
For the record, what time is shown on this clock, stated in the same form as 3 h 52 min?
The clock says 5 h 15 min
